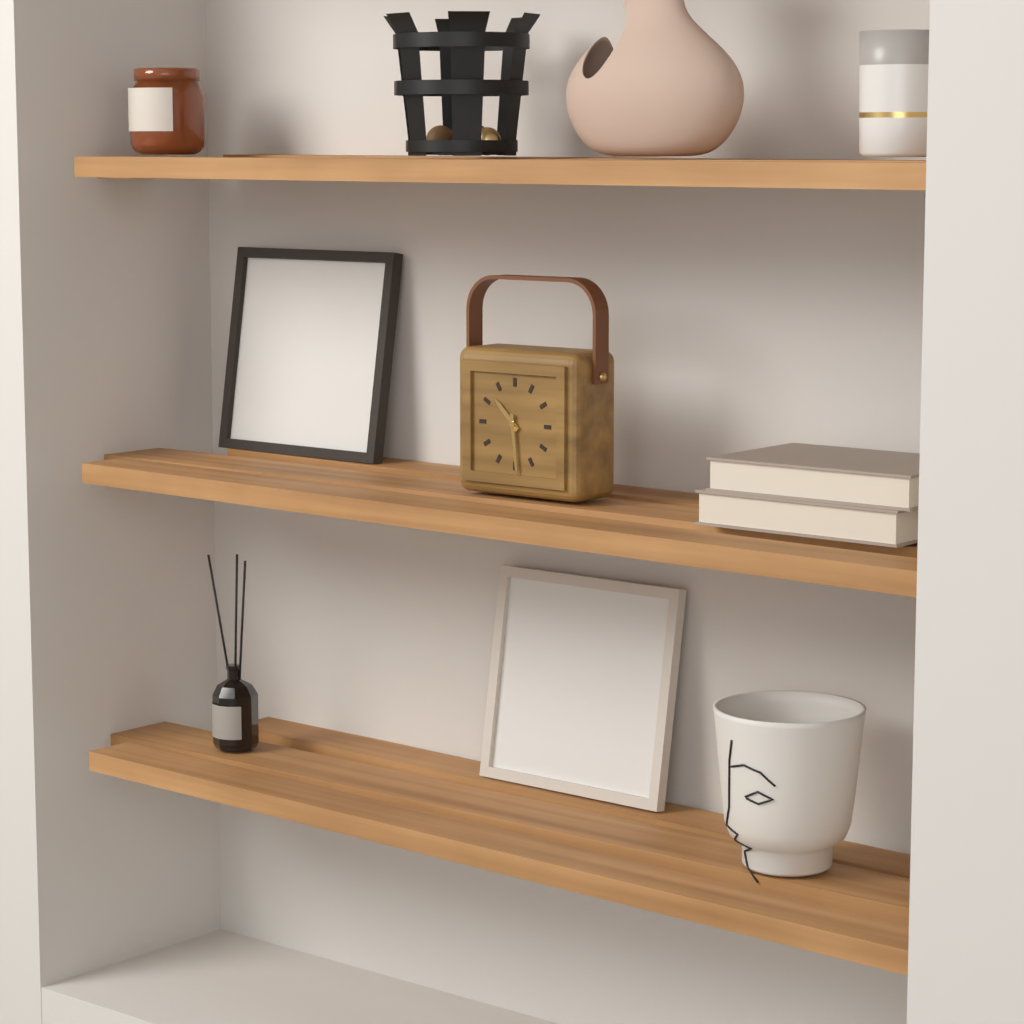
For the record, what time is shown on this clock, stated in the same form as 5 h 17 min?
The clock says 10 h 29 min
